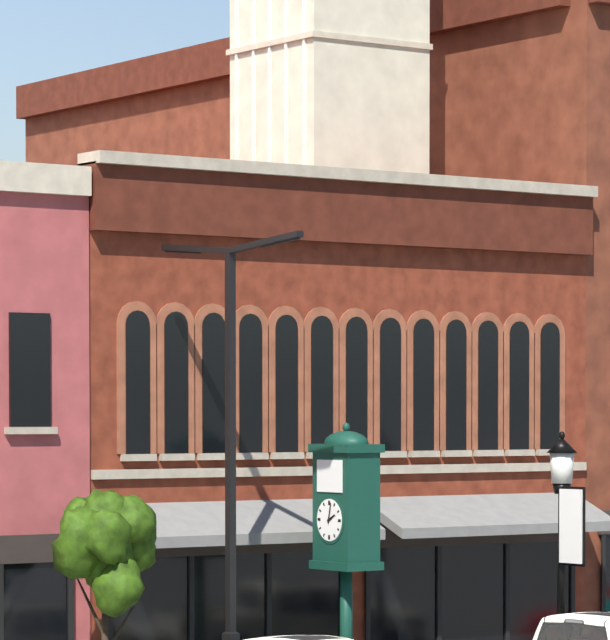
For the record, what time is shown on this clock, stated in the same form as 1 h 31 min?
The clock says 2 h 02 min
